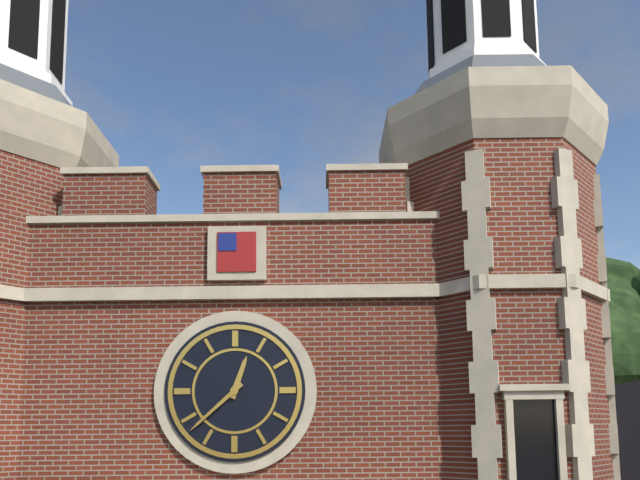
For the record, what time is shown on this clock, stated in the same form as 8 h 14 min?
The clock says 12 h 38 min
